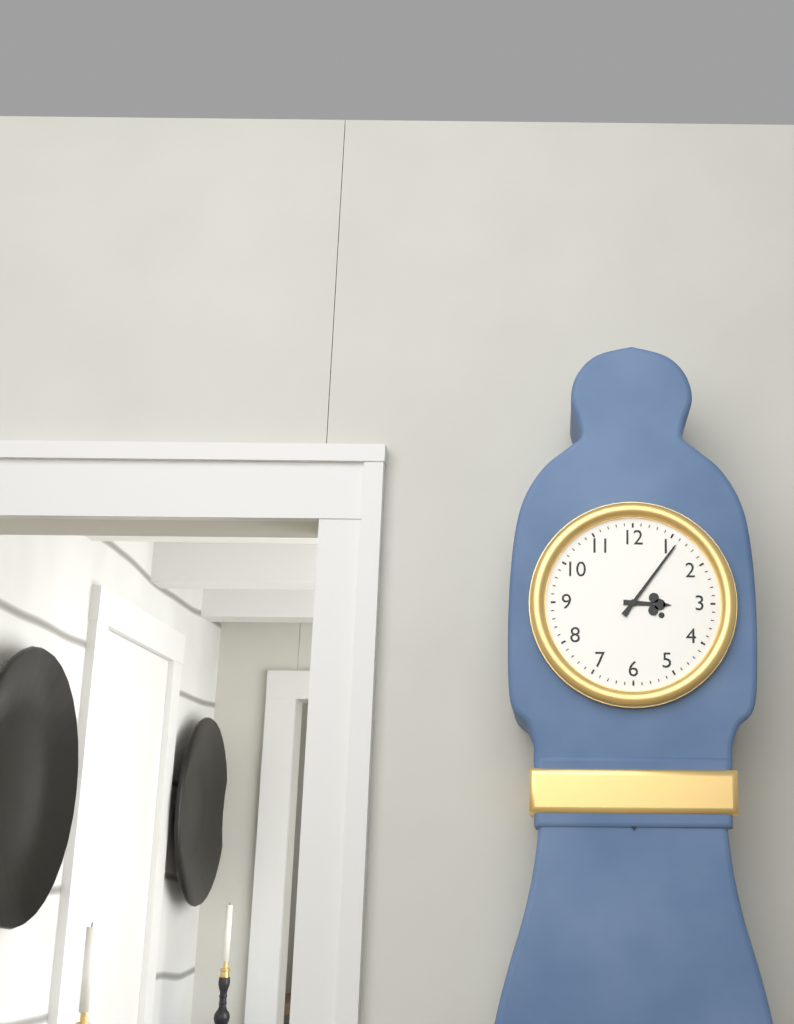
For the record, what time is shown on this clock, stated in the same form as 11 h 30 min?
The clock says 3 h 06 min
